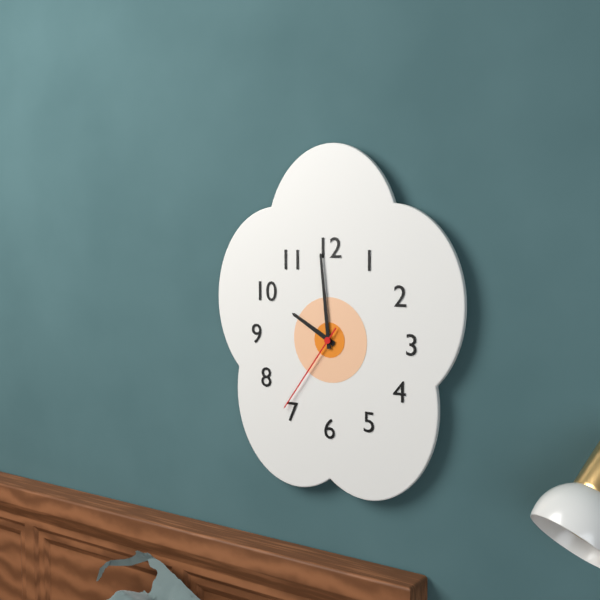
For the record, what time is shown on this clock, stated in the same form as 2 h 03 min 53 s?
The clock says 9 h 59 min 36 s
